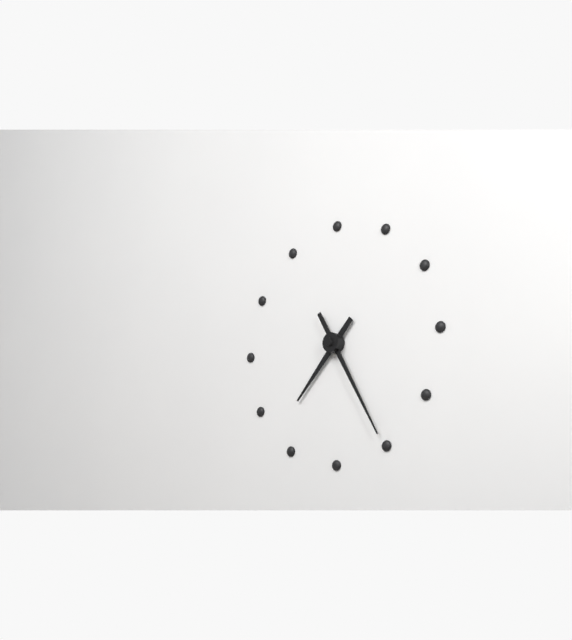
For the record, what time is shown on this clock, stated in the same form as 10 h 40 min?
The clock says 7 h 25 min
